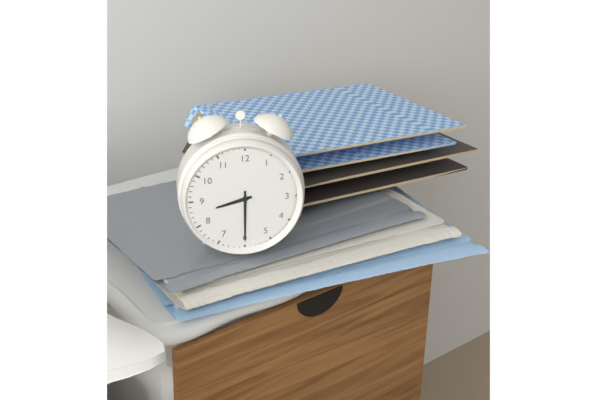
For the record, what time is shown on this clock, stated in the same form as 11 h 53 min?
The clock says 8 h 30 min
